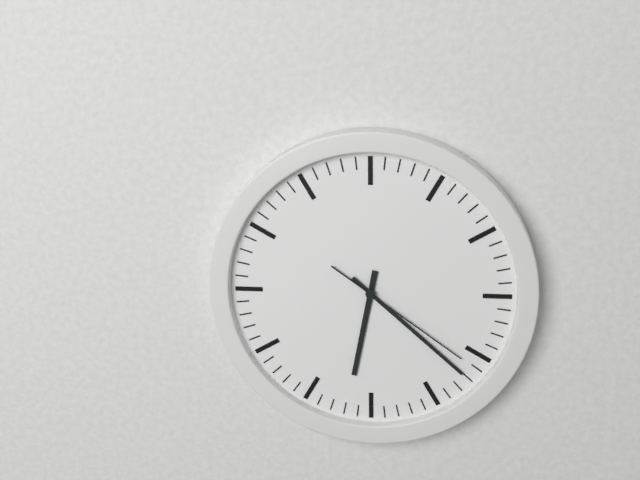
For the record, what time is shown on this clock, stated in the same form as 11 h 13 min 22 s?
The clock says 6 h 22 min 21 s
